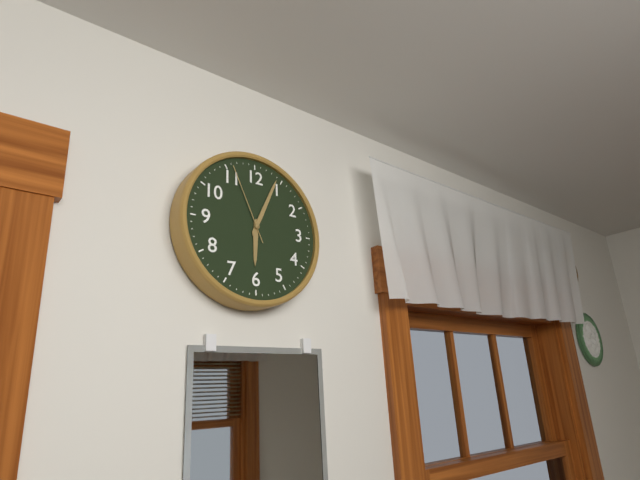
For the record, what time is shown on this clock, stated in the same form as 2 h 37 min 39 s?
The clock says 6 h 04 min 56 s
